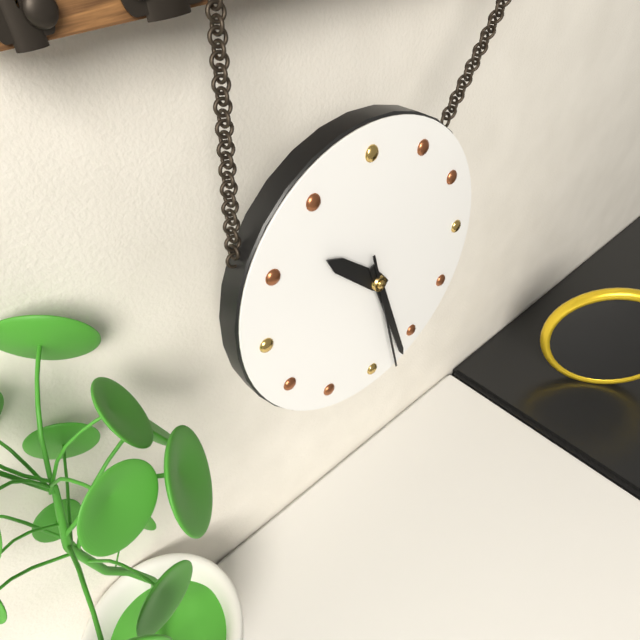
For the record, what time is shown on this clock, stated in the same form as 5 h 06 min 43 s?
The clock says 10 h 27 min 28 s
